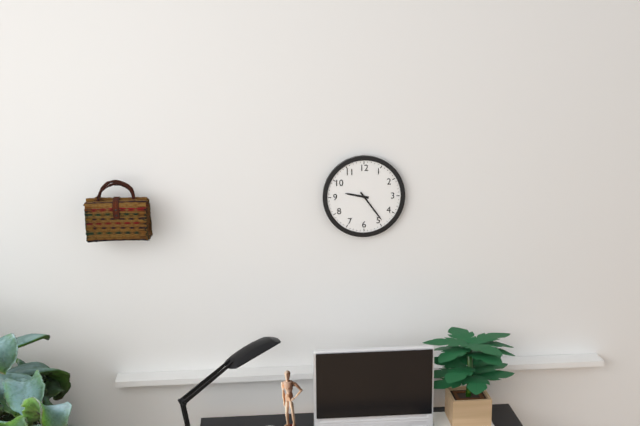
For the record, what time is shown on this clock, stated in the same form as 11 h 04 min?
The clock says 9 h 24 min
